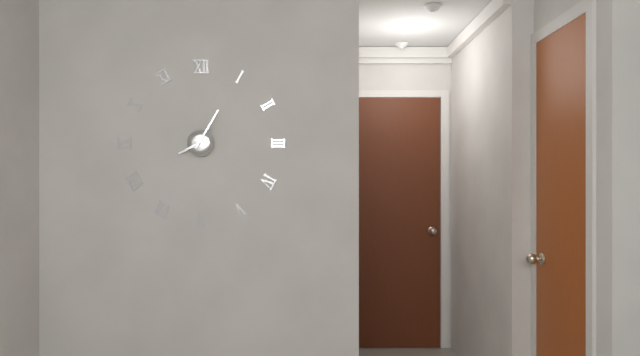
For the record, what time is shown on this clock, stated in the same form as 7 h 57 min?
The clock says 8 h 05 min
